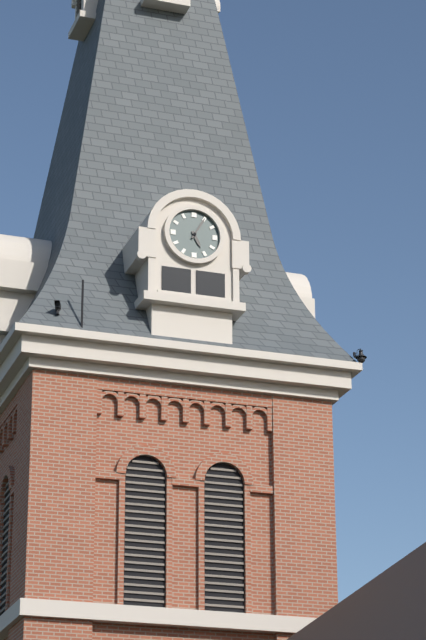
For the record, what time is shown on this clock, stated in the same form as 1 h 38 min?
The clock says 5 h 05 min
